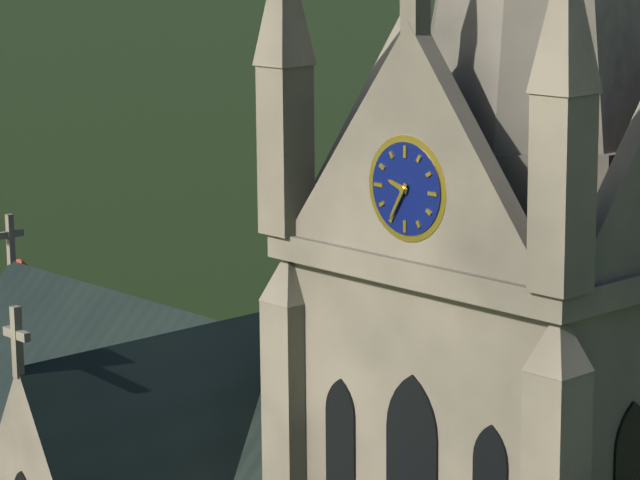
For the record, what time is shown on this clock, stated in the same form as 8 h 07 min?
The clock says 9 h 35 min
